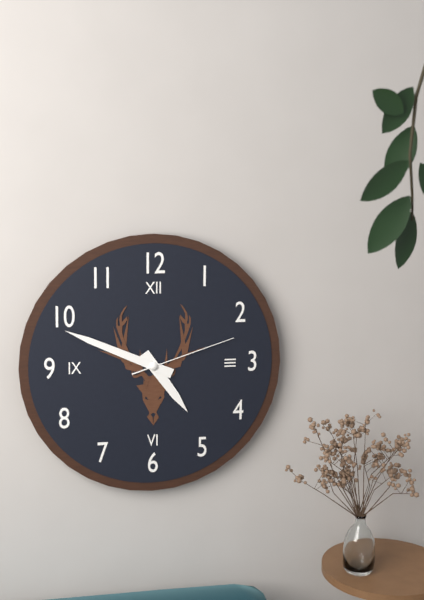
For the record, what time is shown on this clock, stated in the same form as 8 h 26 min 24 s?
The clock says 4 h 49 min 12 s
